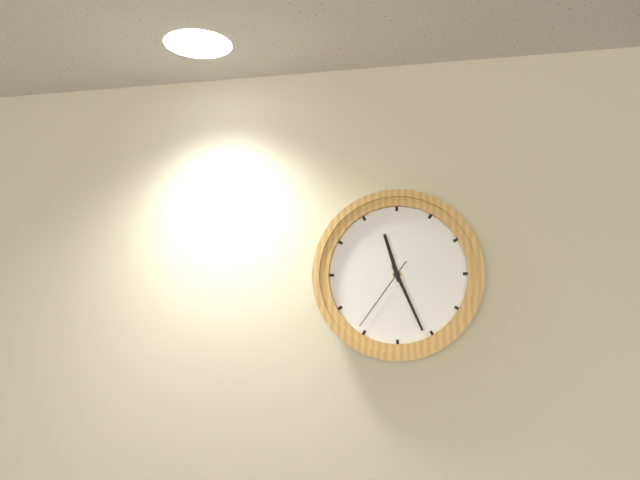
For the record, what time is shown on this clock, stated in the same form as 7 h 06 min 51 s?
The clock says 11 h 26 min 36 s
